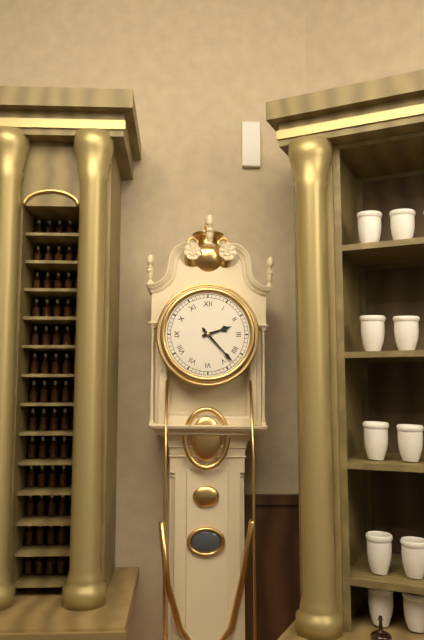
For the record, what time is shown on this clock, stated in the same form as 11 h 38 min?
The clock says 2 h 23 min
